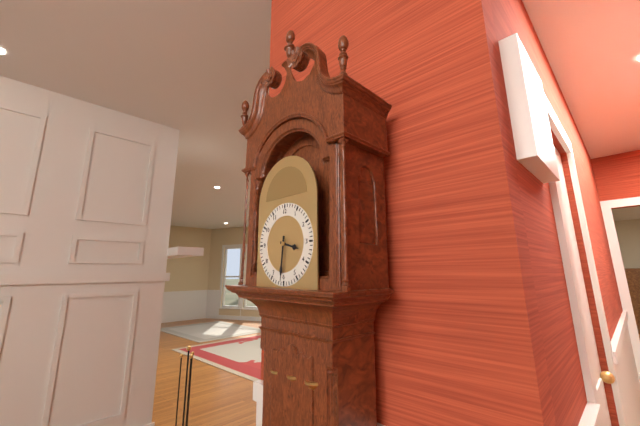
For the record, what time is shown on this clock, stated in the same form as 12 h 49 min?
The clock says 3 h 31 min
